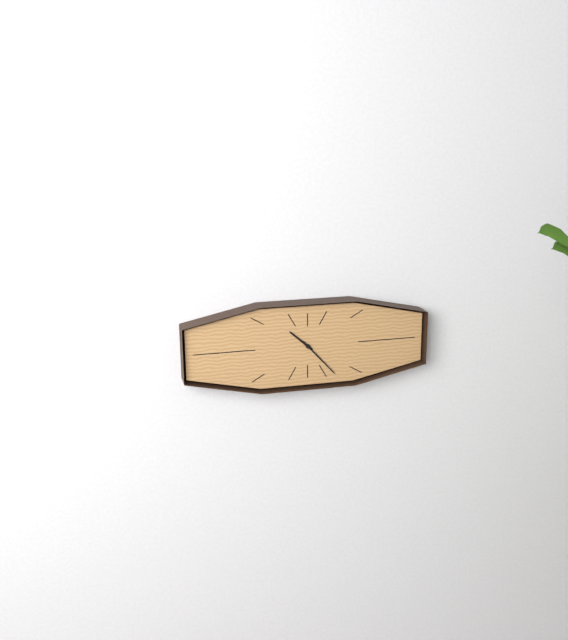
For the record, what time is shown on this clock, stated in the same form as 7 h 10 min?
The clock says 10 h 23 min
